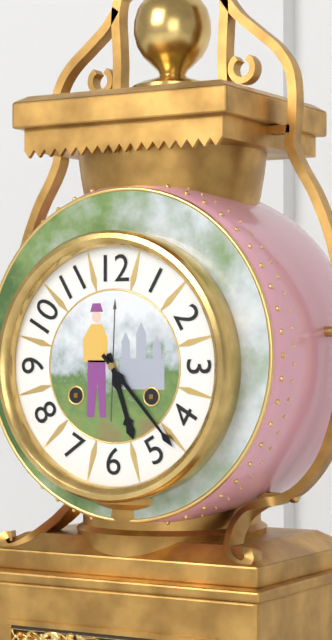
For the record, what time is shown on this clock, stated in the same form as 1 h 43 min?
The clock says 5 h 23 min
